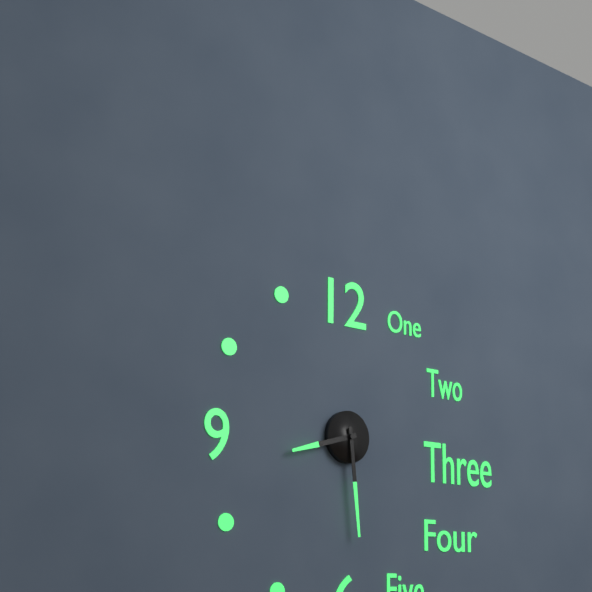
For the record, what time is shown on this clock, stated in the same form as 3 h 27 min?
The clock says 8 h 29 min
